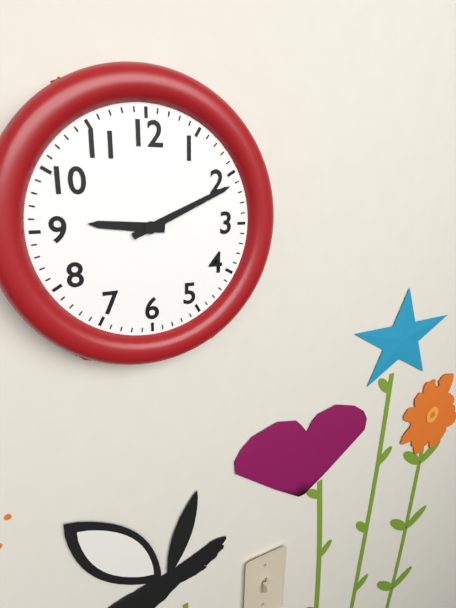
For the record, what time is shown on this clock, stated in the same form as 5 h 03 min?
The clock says 9 h 11 min
